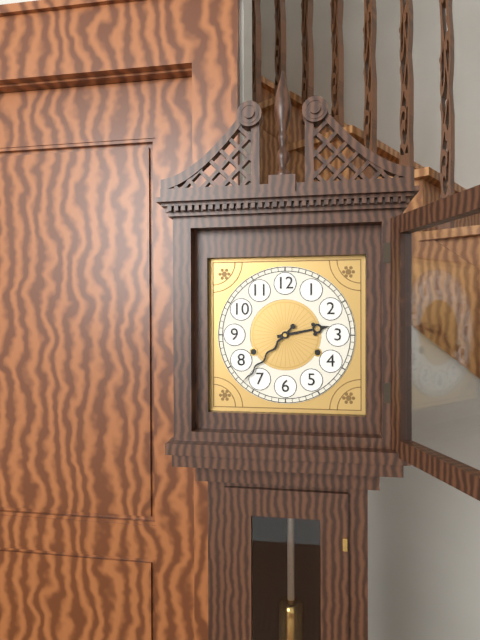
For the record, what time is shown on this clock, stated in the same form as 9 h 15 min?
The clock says 2 h 37 min
